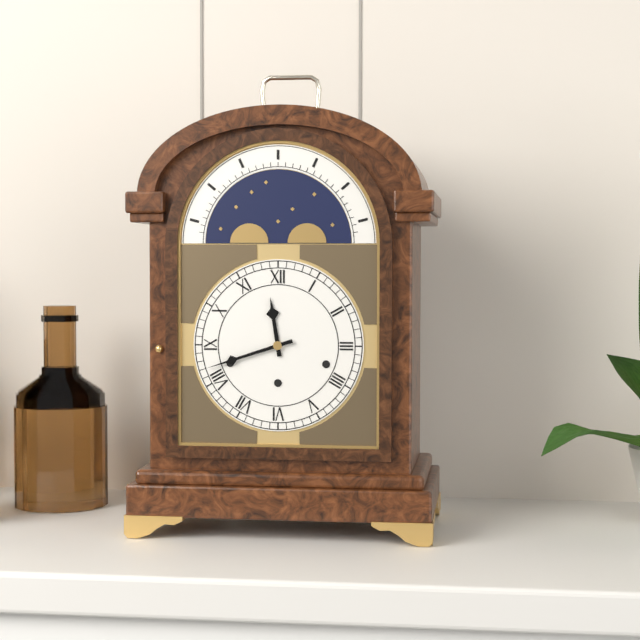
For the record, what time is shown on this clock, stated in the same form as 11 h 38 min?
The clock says 11 h 42 min
